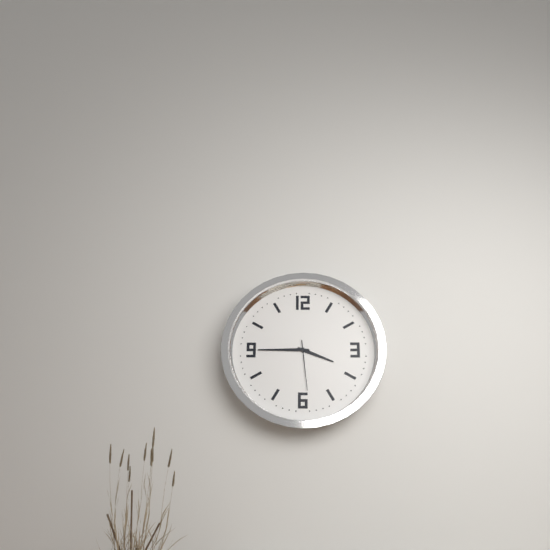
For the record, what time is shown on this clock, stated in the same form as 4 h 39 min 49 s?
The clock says 3 h 45 min 29 s
